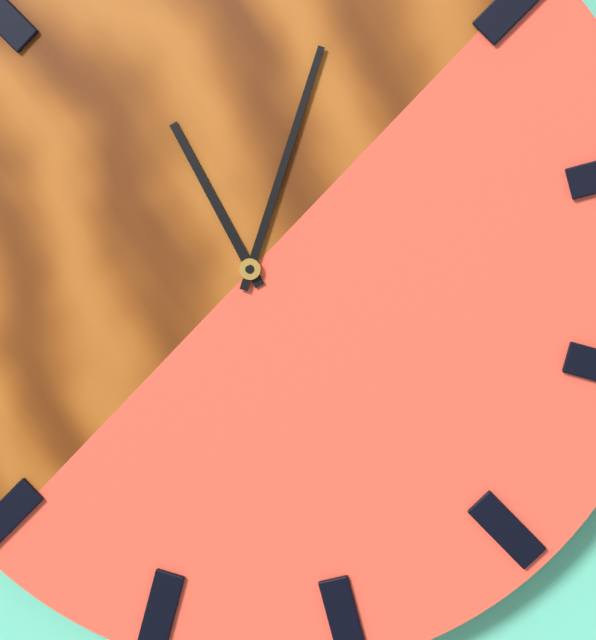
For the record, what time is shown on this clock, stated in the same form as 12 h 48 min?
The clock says 11 h 03 min
